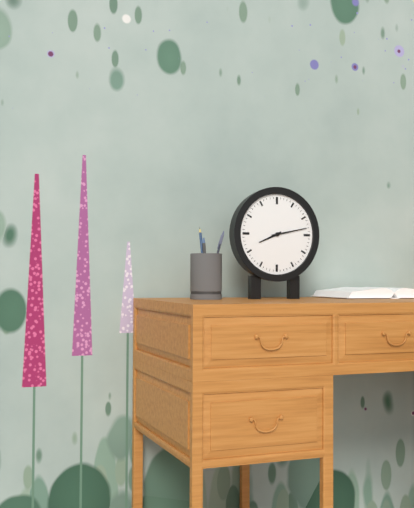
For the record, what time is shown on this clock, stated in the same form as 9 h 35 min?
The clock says 8 h 13 min
